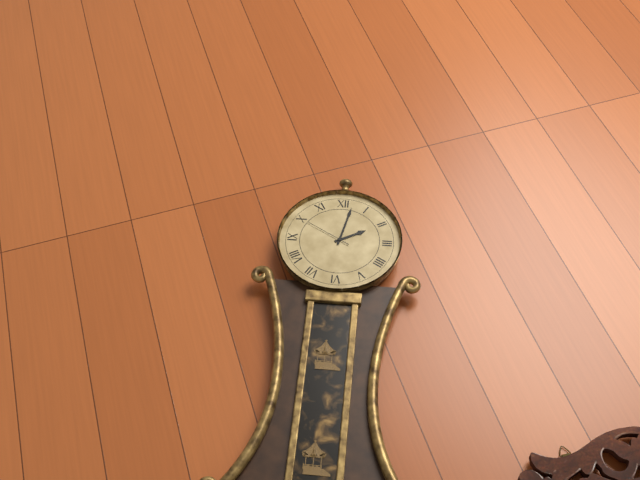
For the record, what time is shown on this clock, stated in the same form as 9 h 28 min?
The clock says 2 h 02 min
